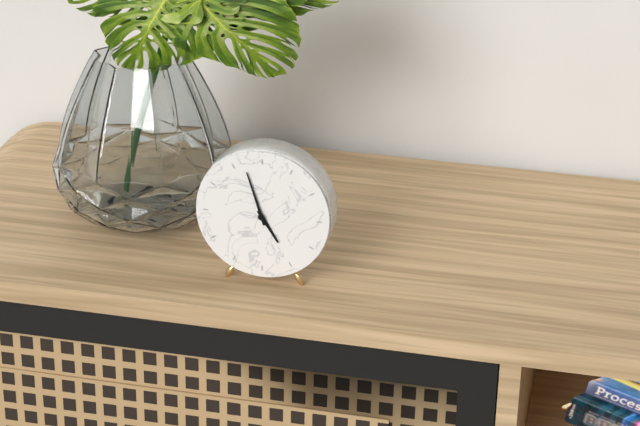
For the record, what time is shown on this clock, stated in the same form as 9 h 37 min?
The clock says 4 h 57 min
